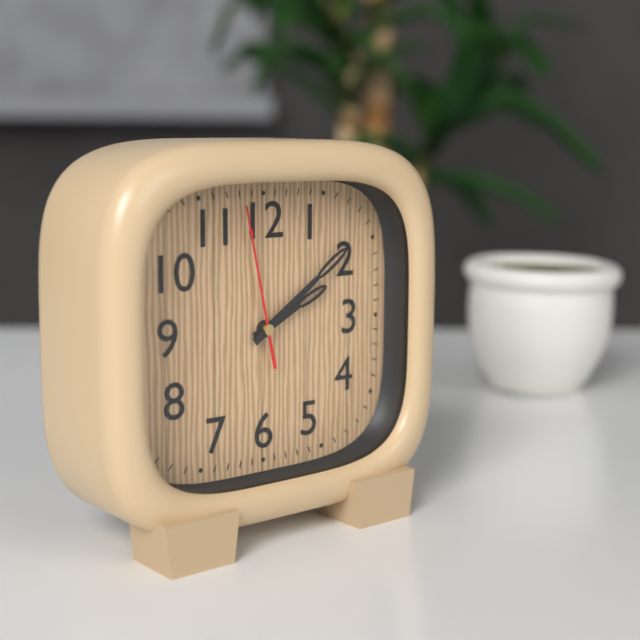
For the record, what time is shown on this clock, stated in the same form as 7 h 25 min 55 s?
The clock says 2 h 09 min 58 s
